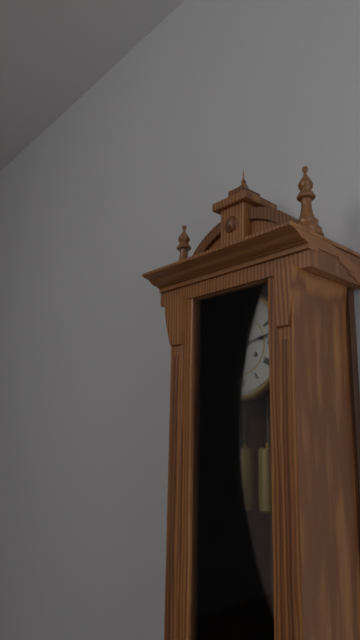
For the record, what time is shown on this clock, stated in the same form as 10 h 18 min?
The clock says 6 h 13 min
